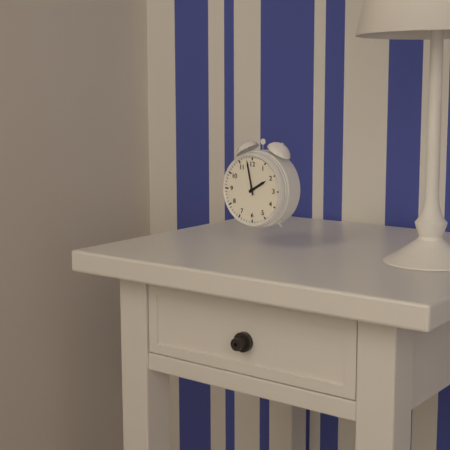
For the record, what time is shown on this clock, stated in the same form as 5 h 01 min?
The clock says 1 h 58 min
